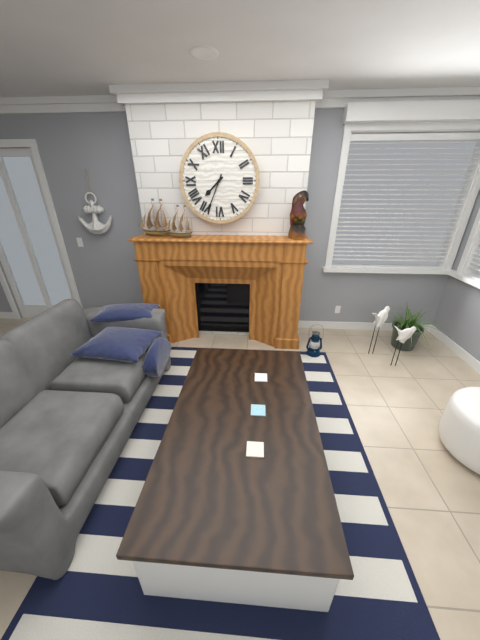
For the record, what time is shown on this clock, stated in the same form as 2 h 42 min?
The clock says 7 h 34 min
